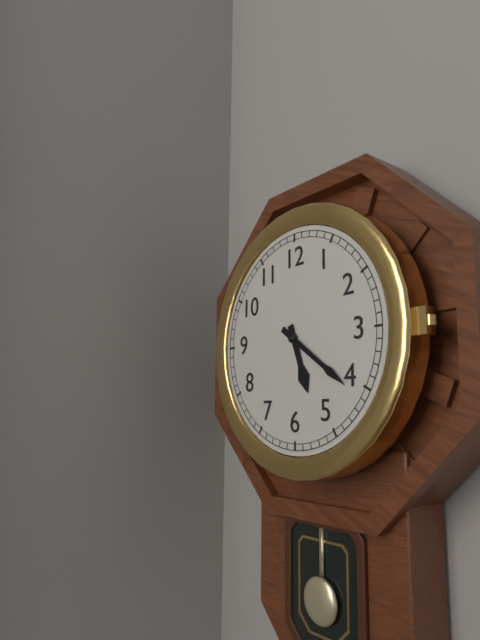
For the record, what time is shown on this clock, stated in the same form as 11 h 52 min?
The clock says 5 h 21 min
